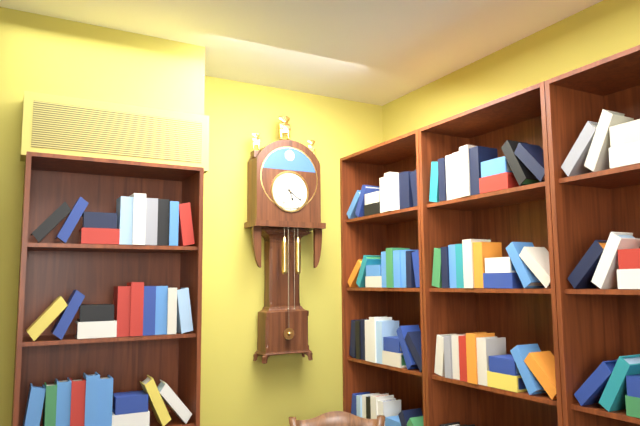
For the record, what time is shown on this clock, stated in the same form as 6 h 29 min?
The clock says 5 h 21 min
